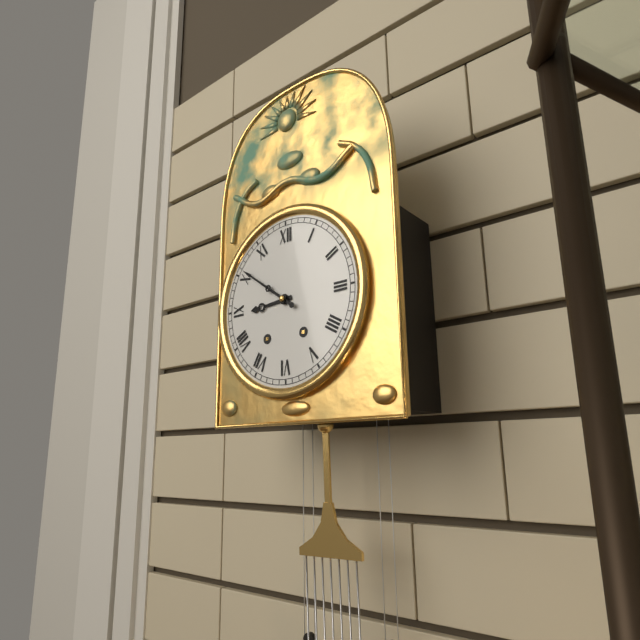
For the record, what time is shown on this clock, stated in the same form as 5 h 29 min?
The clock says 8 h 51 min
